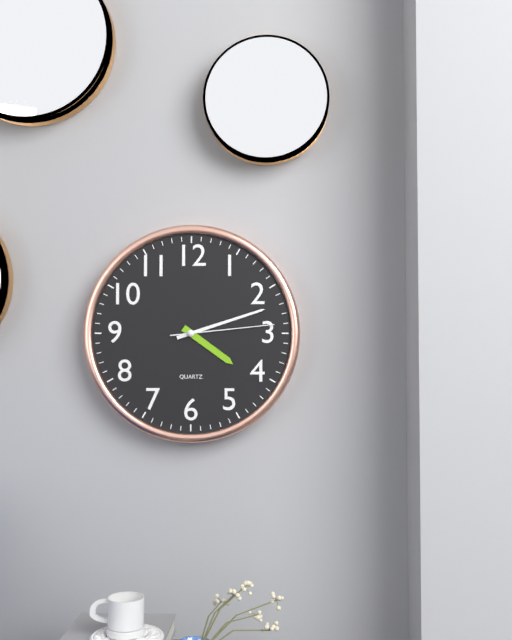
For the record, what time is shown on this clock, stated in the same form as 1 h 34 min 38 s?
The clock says 4 h 12 min 14 s
